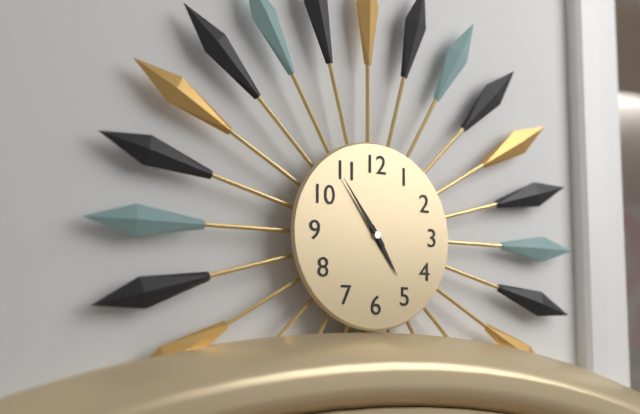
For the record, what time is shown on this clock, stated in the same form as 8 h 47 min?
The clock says 4 h 54 min
